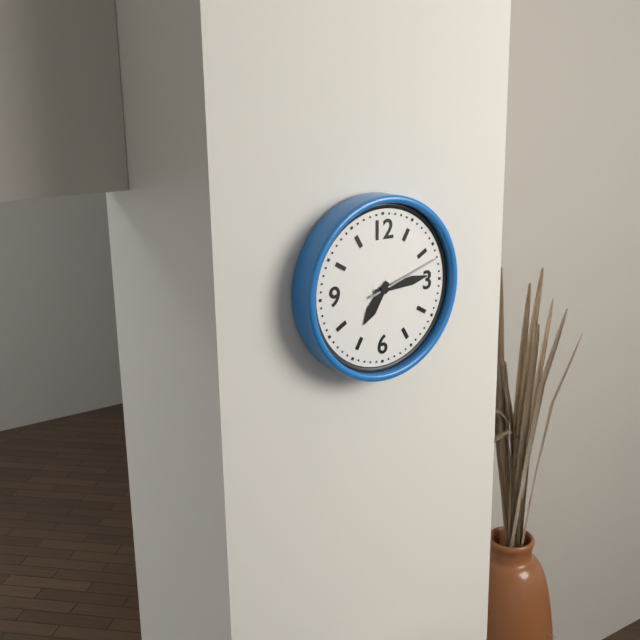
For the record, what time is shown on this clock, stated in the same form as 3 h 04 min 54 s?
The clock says 7 h 14 min 12 s
